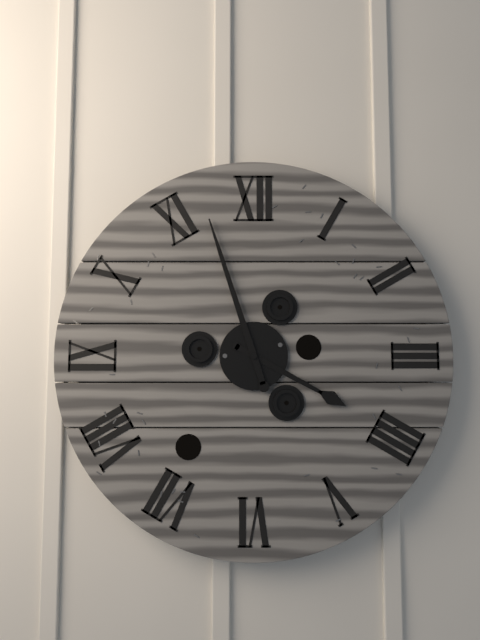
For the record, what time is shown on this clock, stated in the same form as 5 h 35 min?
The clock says 3 h 57 min
